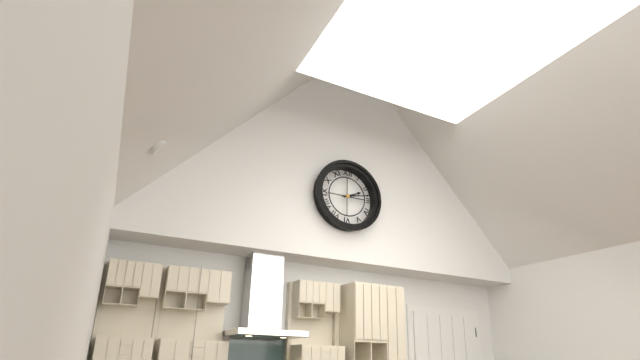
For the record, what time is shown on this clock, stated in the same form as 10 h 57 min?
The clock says 2 h 13 min
